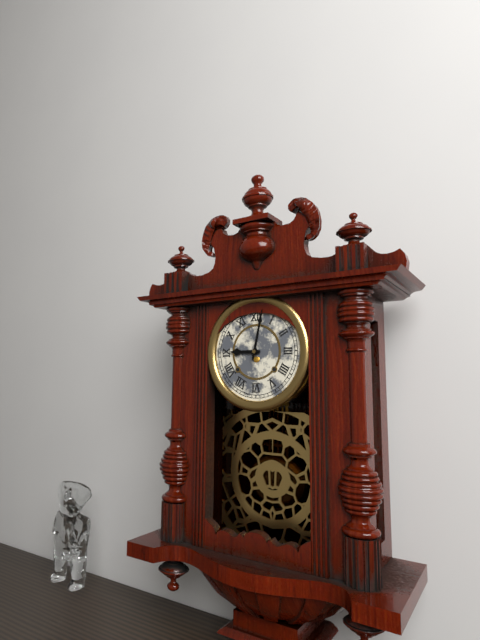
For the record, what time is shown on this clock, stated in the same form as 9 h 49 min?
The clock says 9 h 02 min
